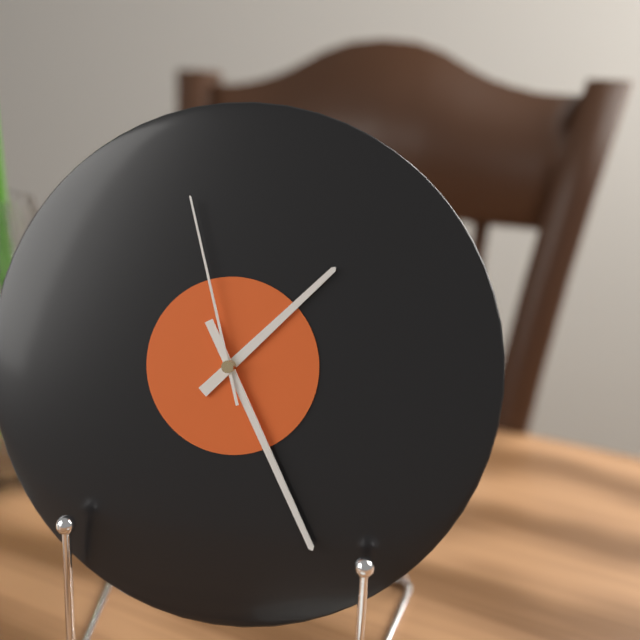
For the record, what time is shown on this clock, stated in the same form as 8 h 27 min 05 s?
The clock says 1 h 25 min 57 s
